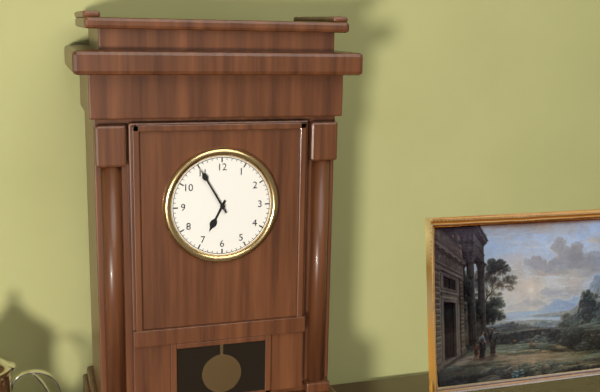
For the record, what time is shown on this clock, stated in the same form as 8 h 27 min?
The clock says 6 h 55 min
